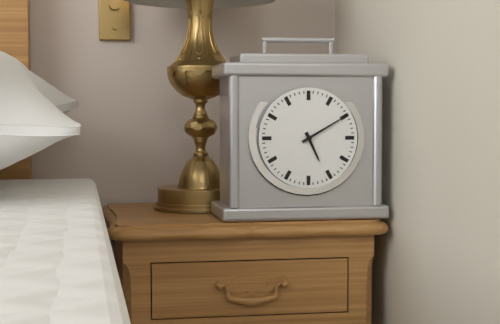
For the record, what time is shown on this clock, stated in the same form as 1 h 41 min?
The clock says 5 h 10 min
